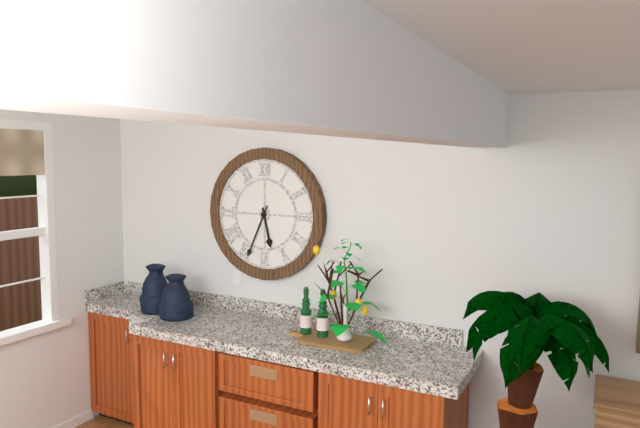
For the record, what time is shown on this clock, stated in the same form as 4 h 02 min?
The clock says 5 h 34 min
